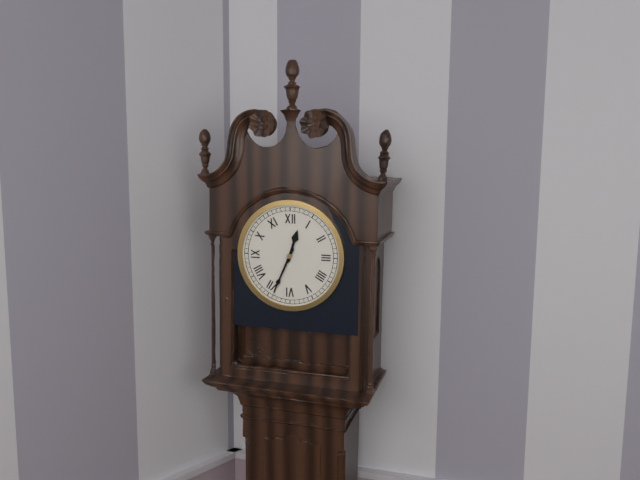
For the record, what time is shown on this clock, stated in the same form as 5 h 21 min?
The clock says 12 h 34 min
